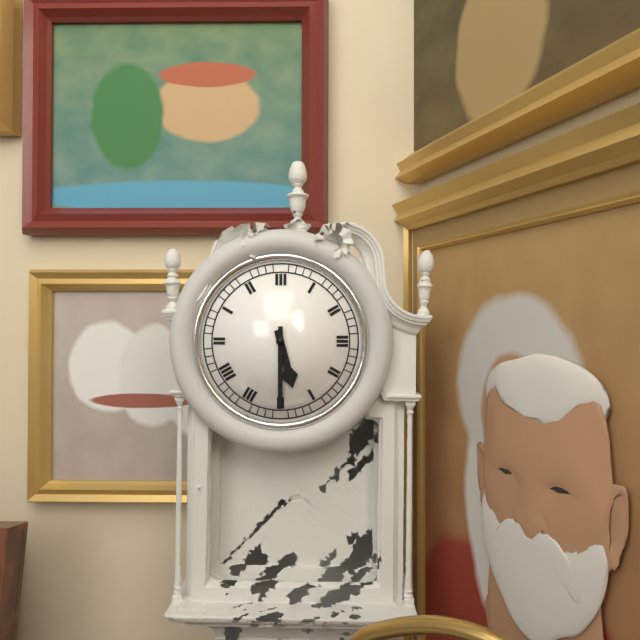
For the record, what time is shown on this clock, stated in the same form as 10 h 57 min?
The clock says 5 h 30 min
